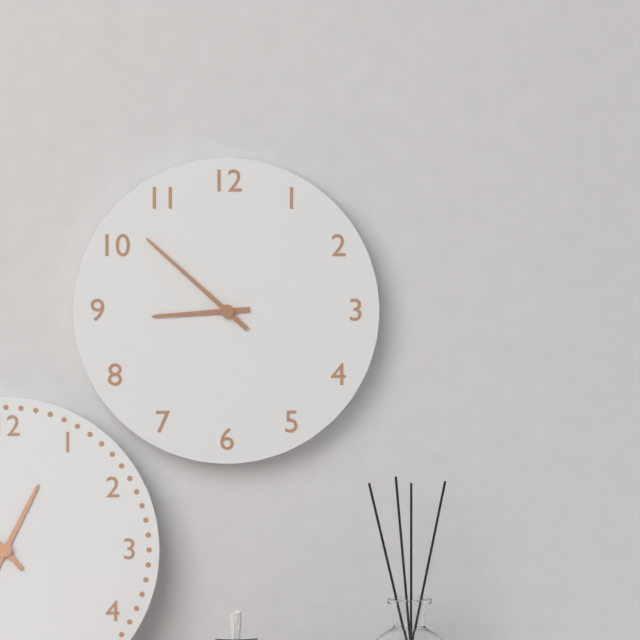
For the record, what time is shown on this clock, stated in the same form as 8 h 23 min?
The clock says 8 h 52 min
